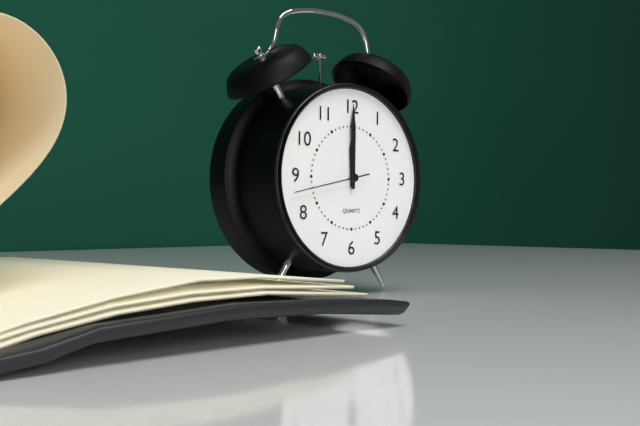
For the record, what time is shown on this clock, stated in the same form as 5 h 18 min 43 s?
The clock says 12 h 00 min 43 s
